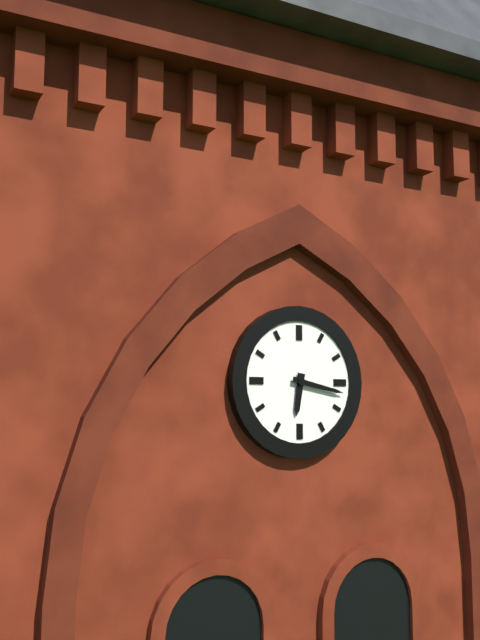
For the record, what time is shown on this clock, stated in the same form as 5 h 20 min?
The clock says 6 h 17 min
